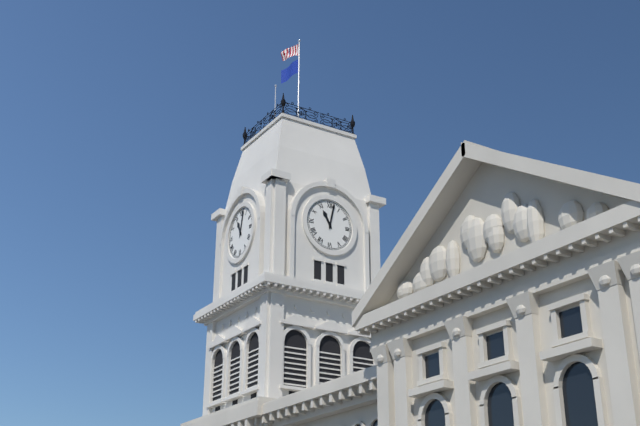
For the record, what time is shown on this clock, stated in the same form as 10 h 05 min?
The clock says 11 h 02 min
